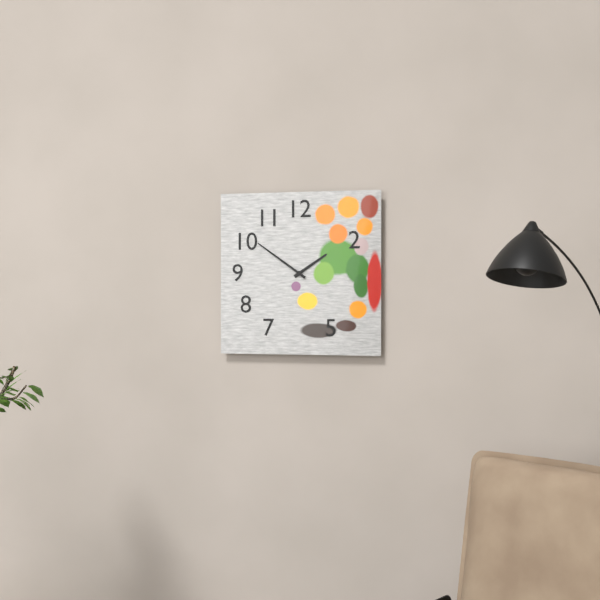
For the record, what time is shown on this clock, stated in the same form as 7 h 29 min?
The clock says 1 h 51 min
